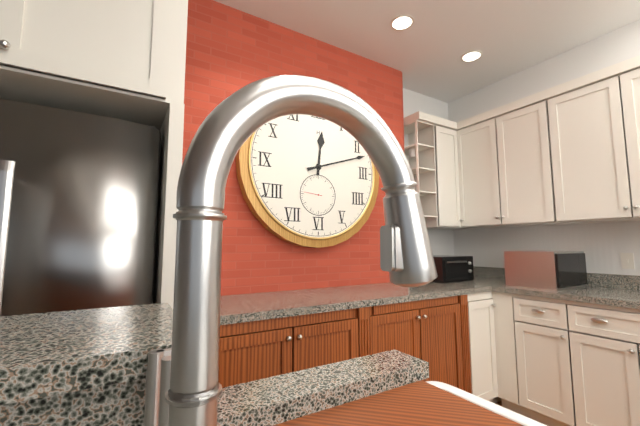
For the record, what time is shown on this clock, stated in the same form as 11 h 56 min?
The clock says 12 h 12 min
